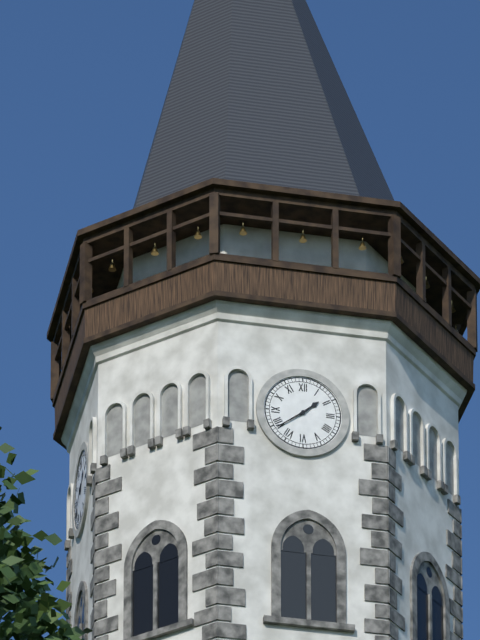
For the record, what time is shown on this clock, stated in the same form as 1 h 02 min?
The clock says 1 h 39 min
